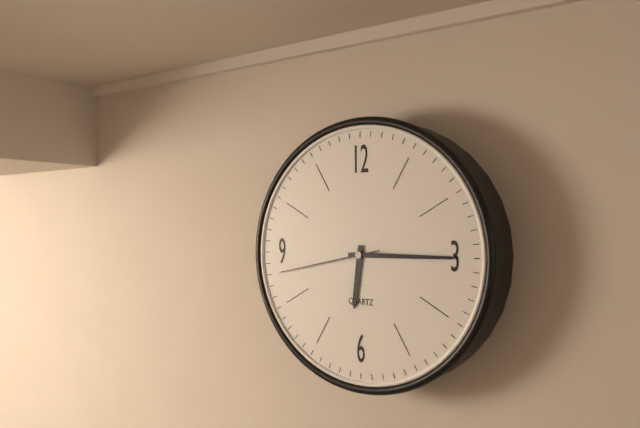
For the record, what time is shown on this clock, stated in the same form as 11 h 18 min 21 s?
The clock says 6 h 15 min 43 s
